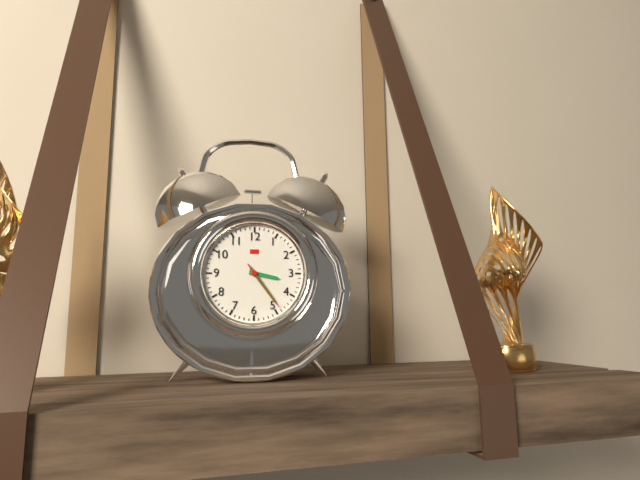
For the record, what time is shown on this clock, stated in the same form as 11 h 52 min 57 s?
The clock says 3 h 24 min 24 s
